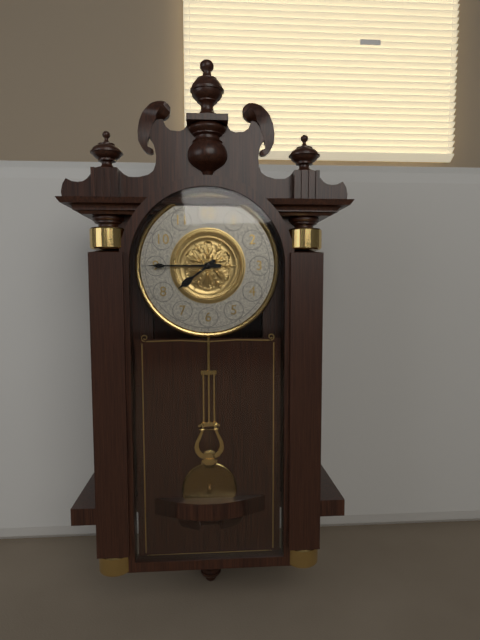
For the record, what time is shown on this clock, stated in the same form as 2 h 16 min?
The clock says 7 h 45 min
